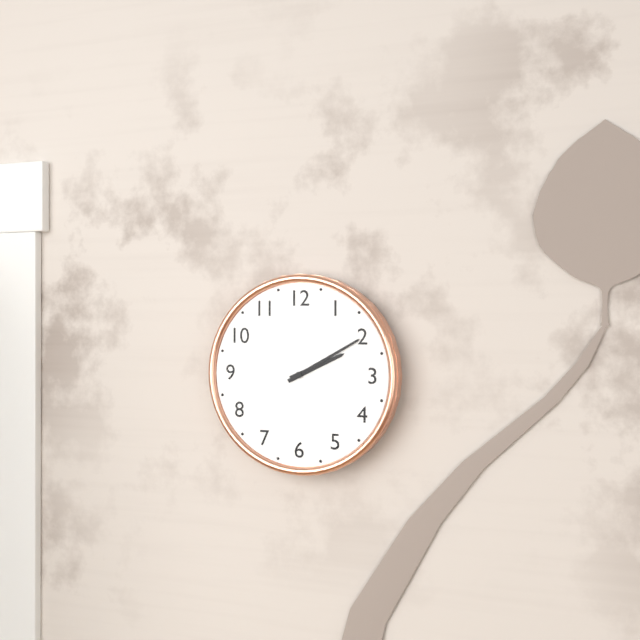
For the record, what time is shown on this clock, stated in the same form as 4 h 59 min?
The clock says 2 h 10 min
